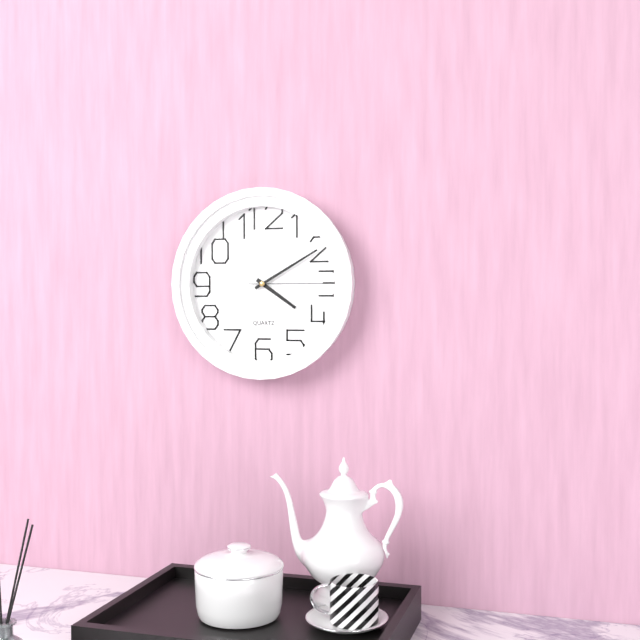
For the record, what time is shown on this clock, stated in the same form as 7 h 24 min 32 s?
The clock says 4 h 10 min 15 s
